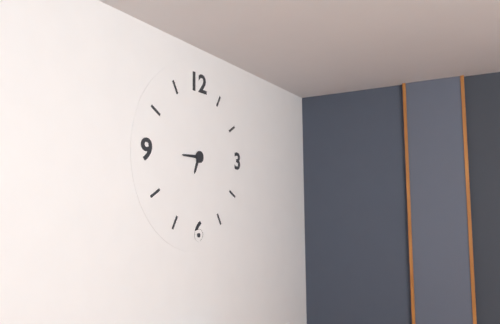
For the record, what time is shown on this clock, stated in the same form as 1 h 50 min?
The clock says 6 h 45 min
